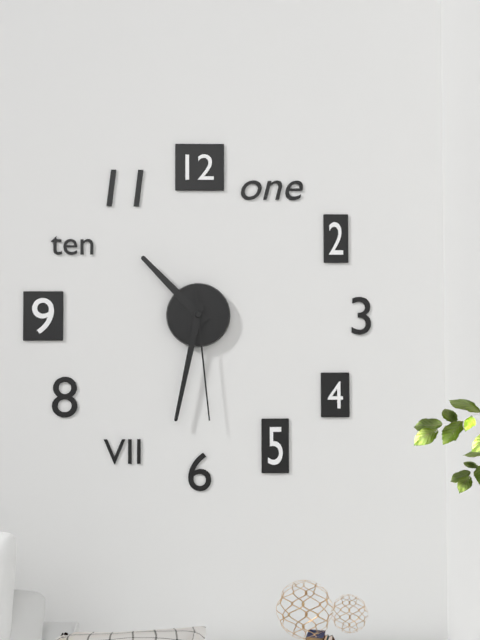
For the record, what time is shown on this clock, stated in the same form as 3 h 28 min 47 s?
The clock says 10 h 32 min 29 s
